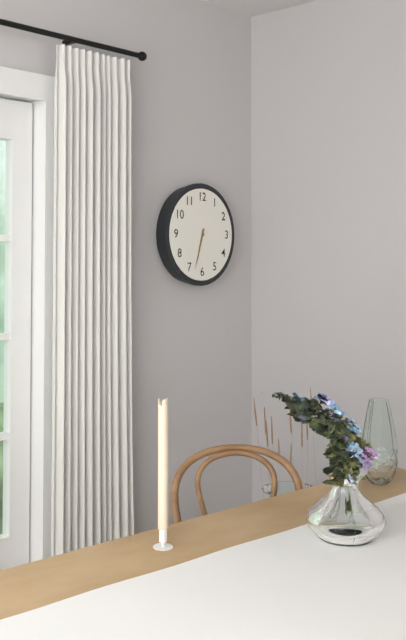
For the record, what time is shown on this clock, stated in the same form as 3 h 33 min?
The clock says 6 h 33 min
